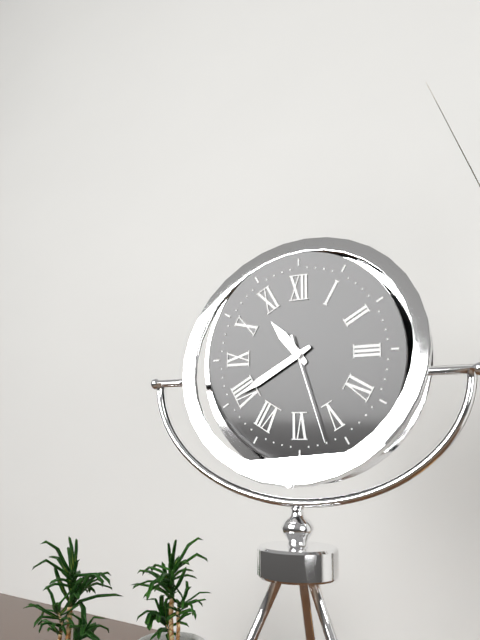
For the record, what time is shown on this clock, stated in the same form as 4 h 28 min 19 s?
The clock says 10 h 40 min 27 s
